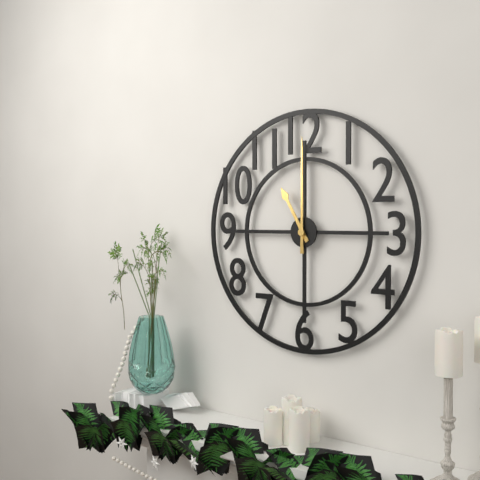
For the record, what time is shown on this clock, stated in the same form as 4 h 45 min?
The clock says 11 h 00 min
